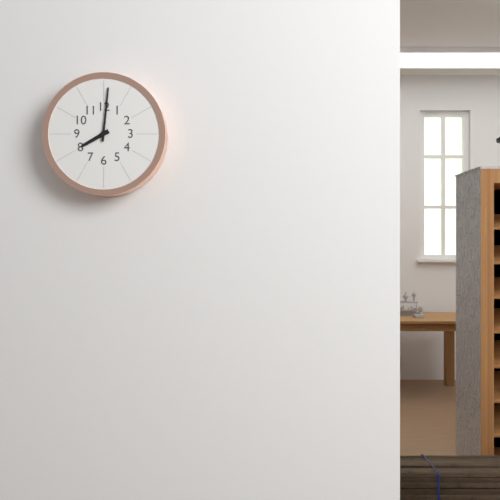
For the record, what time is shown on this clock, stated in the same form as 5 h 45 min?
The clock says 8 h 01 min
